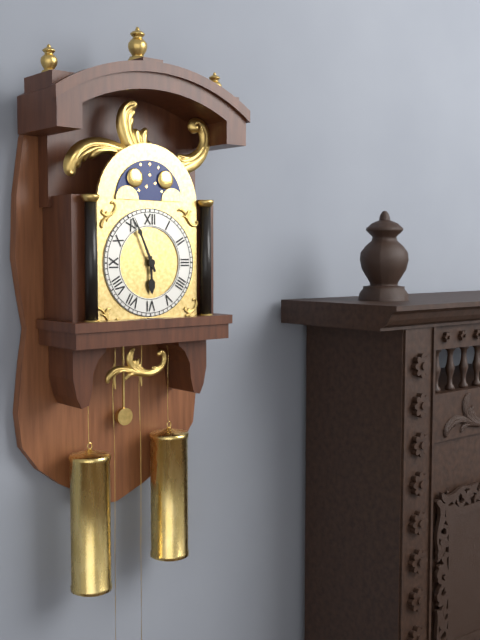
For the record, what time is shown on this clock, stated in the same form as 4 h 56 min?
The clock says 5 h 56 min
